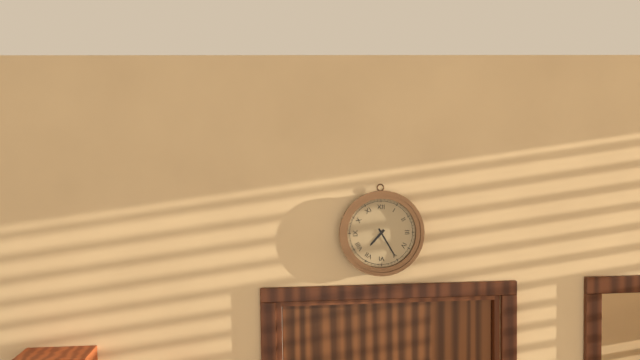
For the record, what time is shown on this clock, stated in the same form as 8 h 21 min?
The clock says 7 h 25 min
